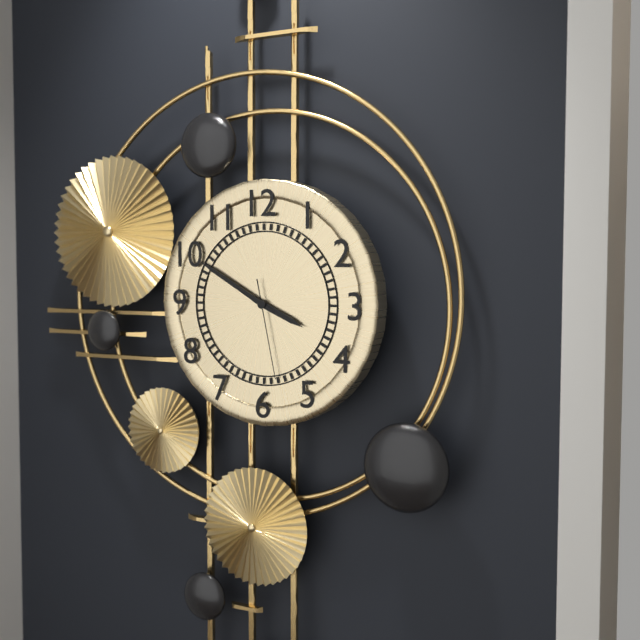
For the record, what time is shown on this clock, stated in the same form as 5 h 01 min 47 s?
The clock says 3 h 50 min 28 s
